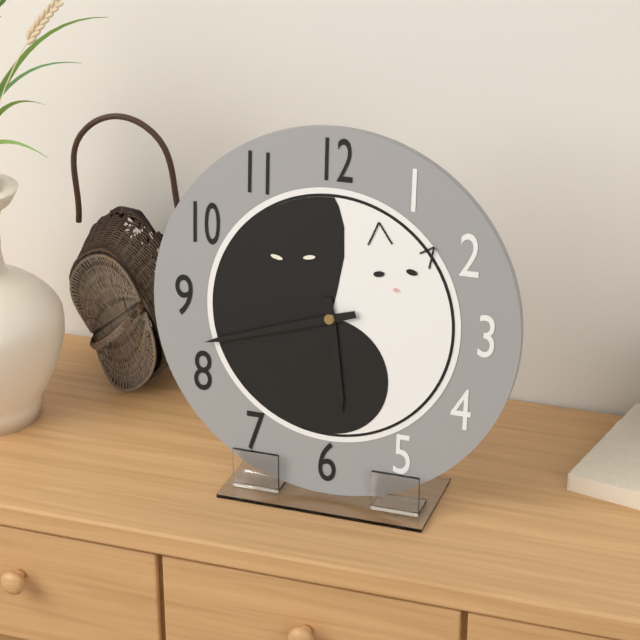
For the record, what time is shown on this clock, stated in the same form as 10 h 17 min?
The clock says 5 h 42 min
